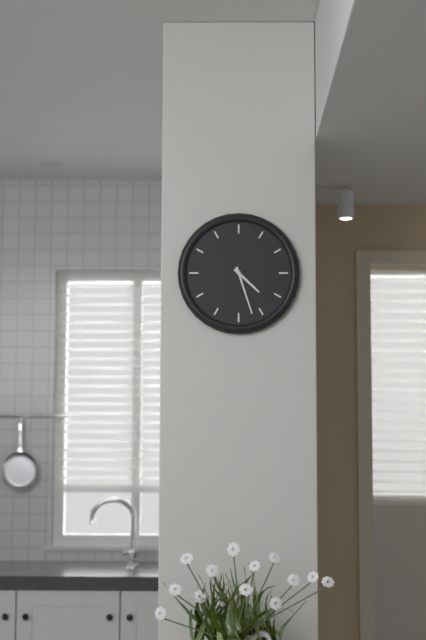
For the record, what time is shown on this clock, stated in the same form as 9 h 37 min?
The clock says 4 h 27 min
